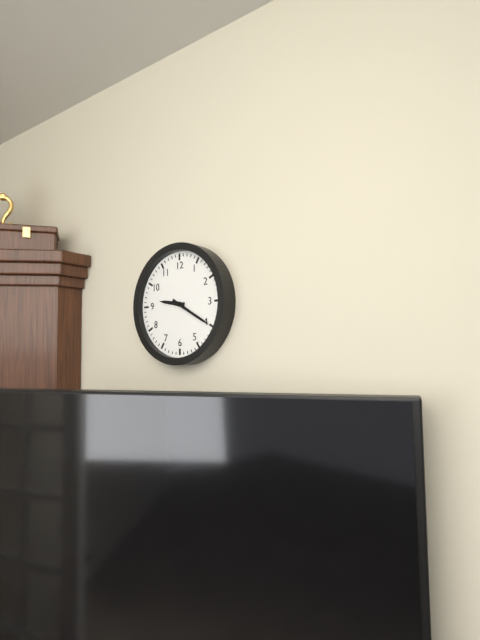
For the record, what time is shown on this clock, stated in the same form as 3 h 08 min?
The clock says 9 h 20 min
